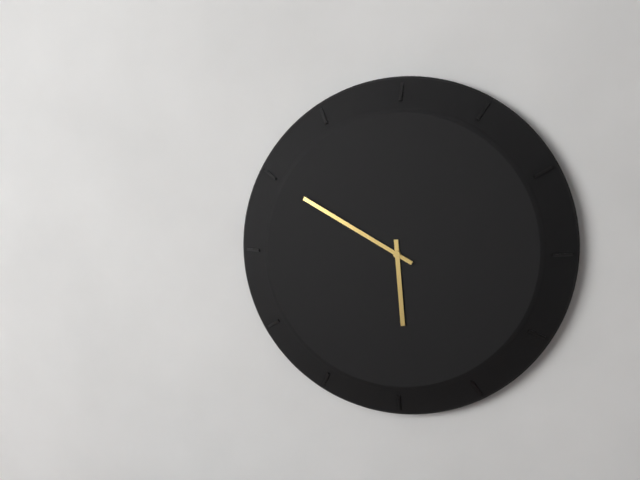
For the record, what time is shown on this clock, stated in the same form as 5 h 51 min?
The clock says 5 h 50 min
